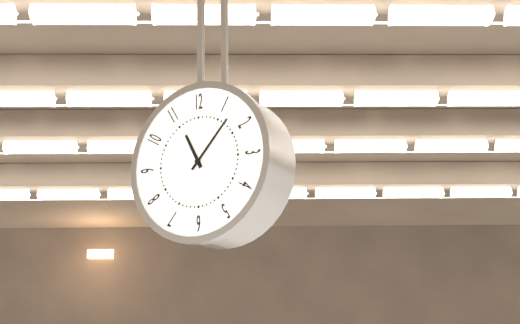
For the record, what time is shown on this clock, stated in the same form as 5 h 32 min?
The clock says 11 h 07 min
